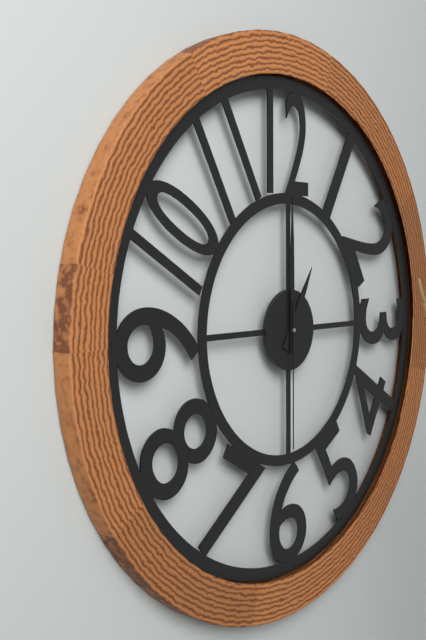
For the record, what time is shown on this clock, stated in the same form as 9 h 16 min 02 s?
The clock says 1 h 00 min 30 s
